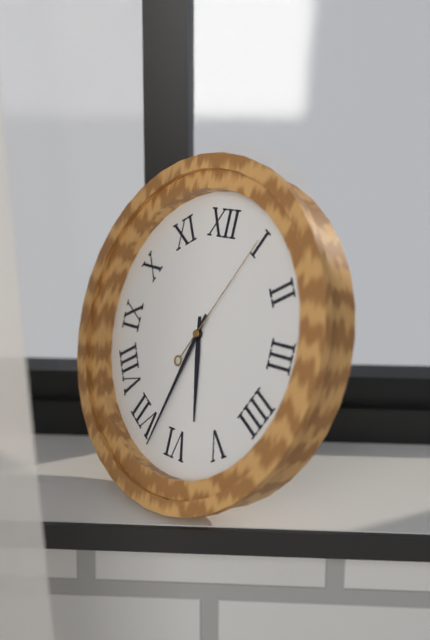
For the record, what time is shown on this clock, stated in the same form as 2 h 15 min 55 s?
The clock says 5 h 33 min 05 s
